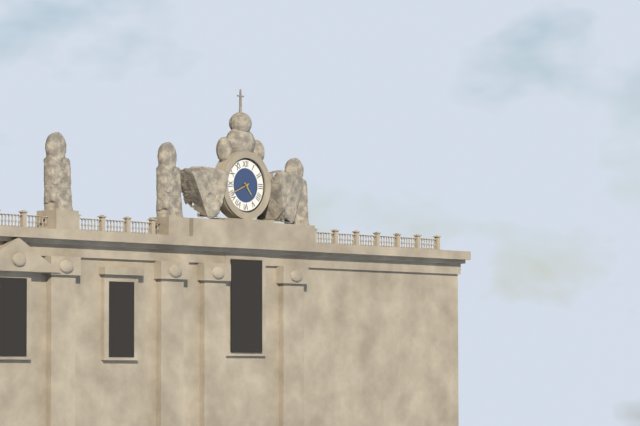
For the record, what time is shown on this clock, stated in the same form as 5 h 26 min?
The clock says 4 h 41 min
